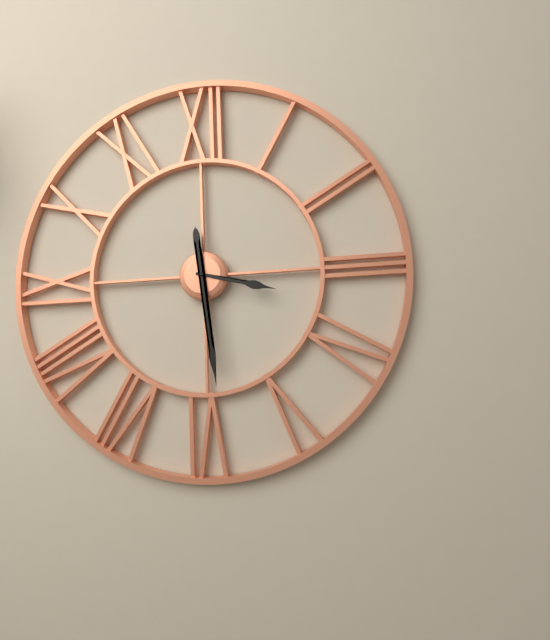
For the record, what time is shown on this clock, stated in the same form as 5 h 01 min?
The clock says 3 h 29 min
